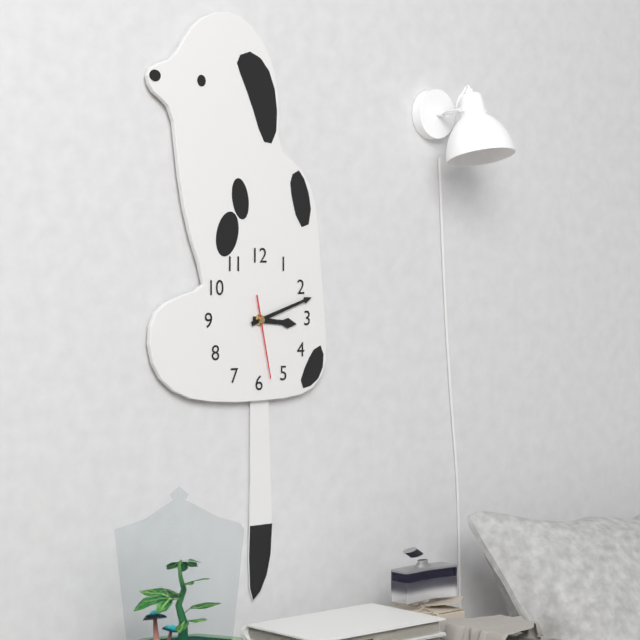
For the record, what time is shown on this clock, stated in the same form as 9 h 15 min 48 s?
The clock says 3 h 12 min 28 s
